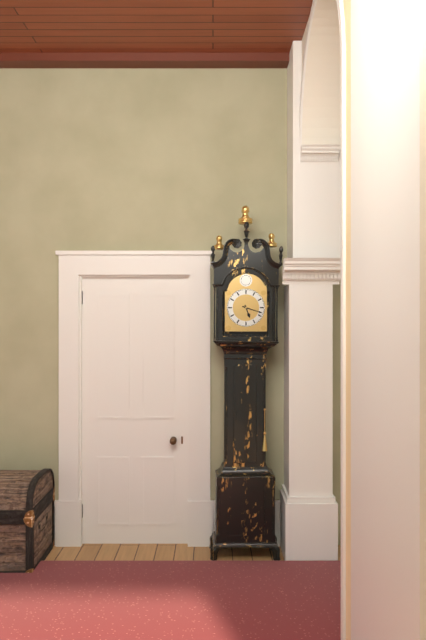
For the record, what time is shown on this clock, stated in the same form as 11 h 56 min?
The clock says 5 h 18 min
